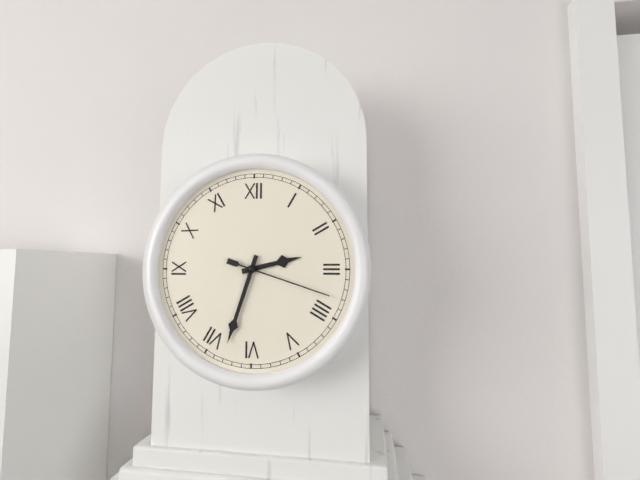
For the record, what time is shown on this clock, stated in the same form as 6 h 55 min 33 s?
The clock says 2 h 33 min 18 s
